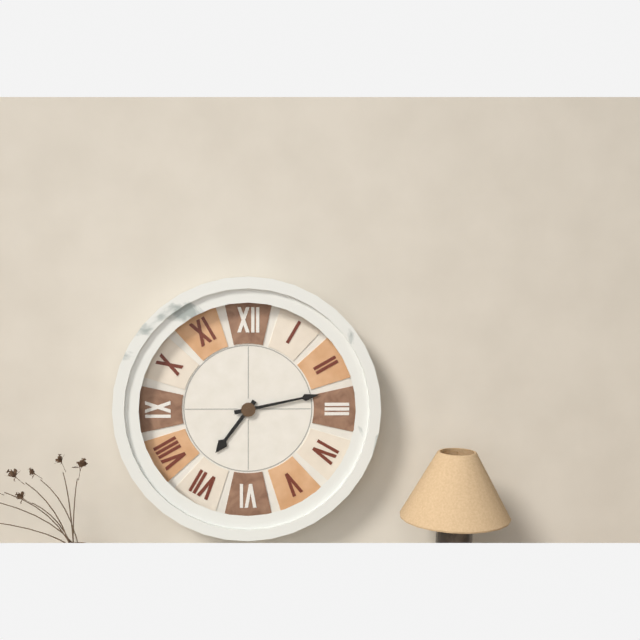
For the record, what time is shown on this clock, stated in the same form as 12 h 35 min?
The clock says 7 h 13 min
